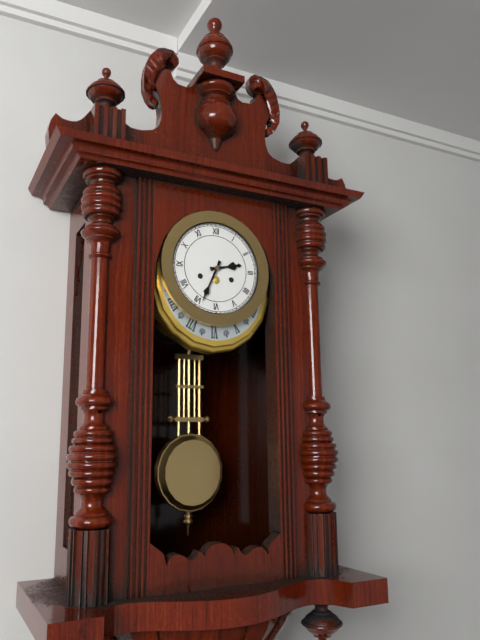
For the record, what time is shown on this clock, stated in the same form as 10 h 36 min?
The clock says 2 h 34 min
